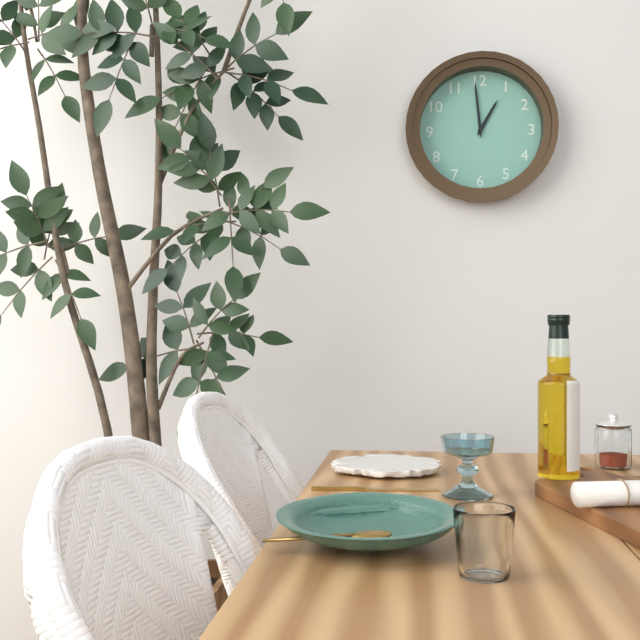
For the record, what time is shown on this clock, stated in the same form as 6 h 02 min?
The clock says 12 h 59 min
